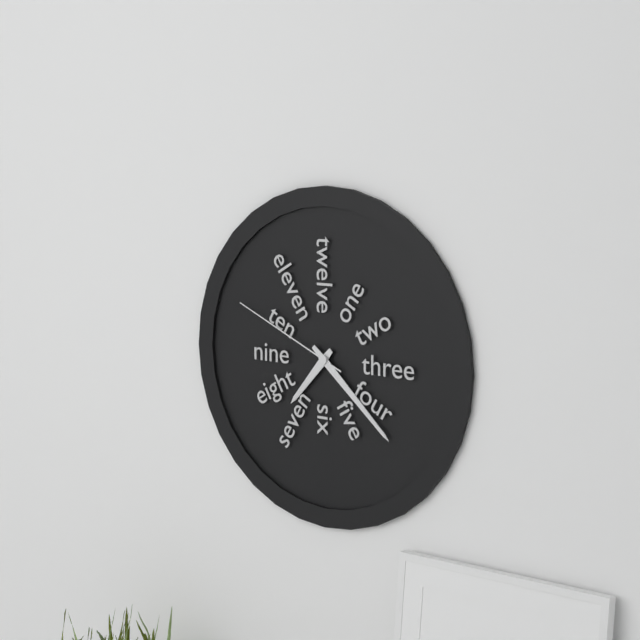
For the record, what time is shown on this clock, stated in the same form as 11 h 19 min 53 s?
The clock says 7 h 22 min 49 s
